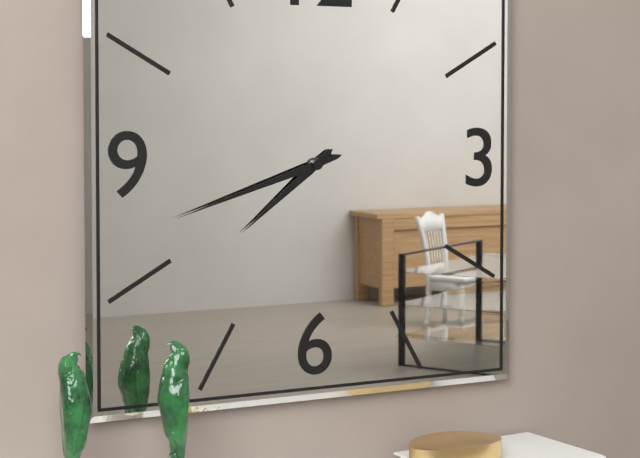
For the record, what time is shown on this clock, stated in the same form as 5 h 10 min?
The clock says 7 h 42 min
